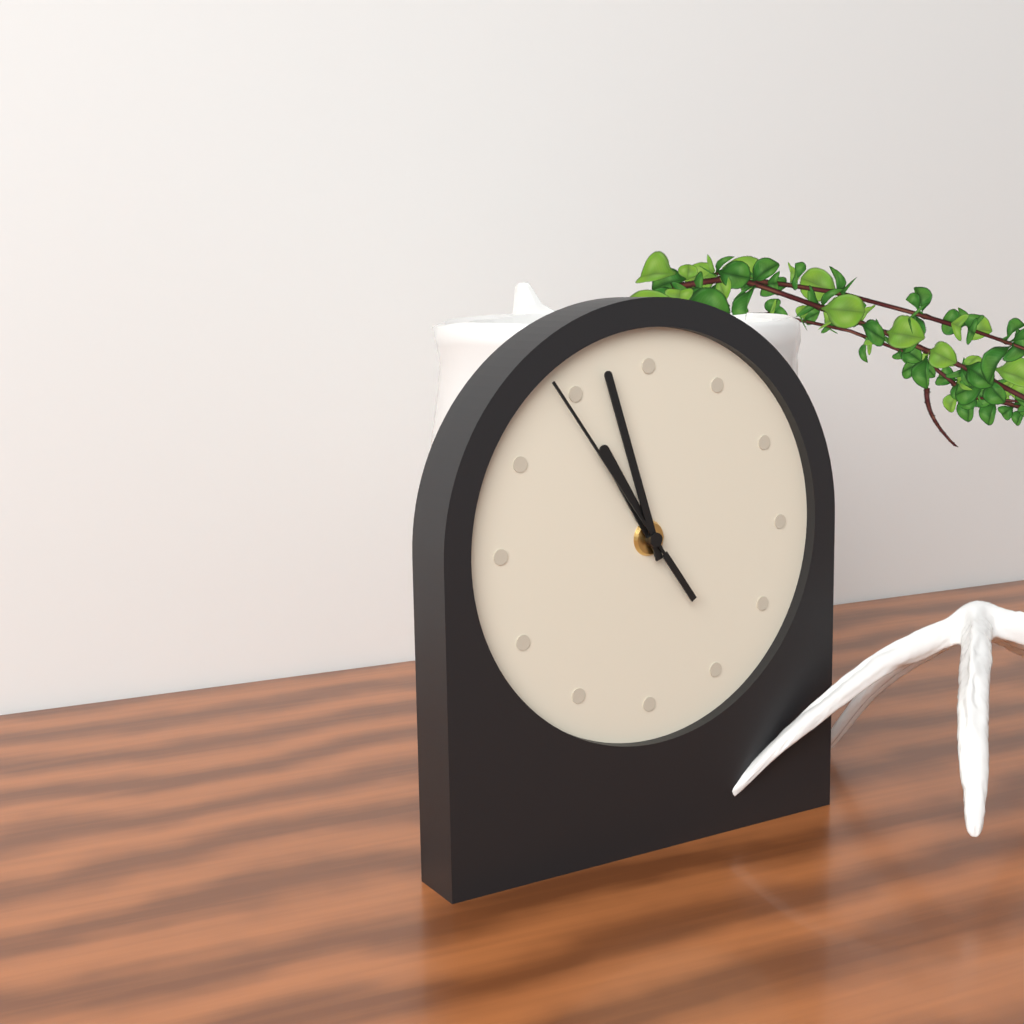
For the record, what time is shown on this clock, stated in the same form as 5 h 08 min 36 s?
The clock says 10 h 57 min 54 s
